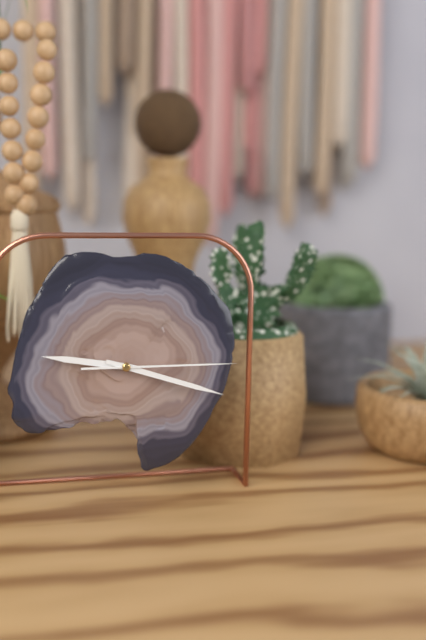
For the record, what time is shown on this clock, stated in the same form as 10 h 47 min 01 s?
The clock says 9 h 18 min 15 s
